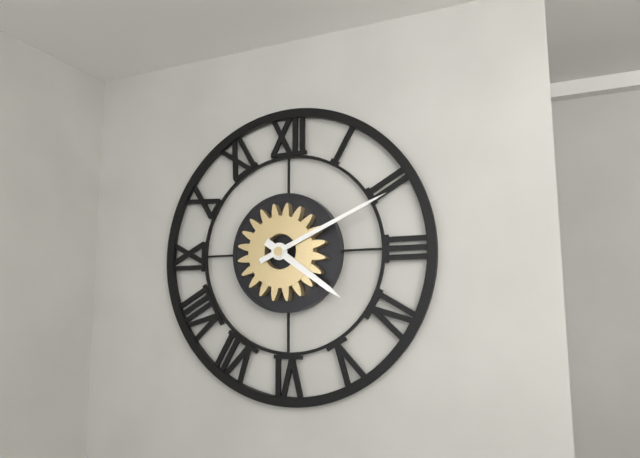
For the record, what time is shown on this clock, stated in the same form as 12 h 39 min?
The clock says 4 h 11 min
